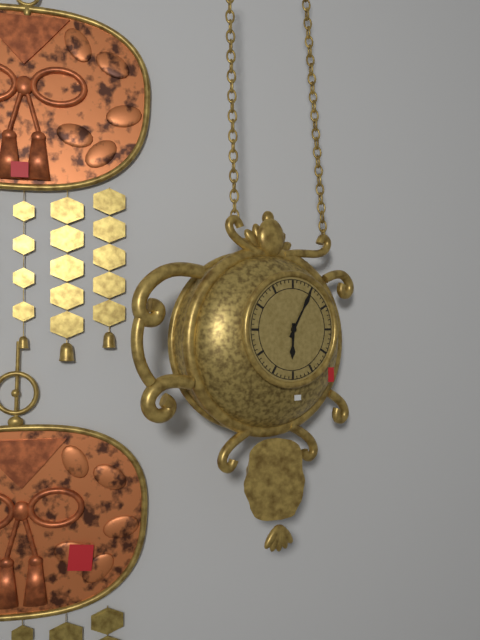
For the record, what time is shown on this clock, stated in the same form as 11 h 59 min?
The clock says 6 h 05 min
